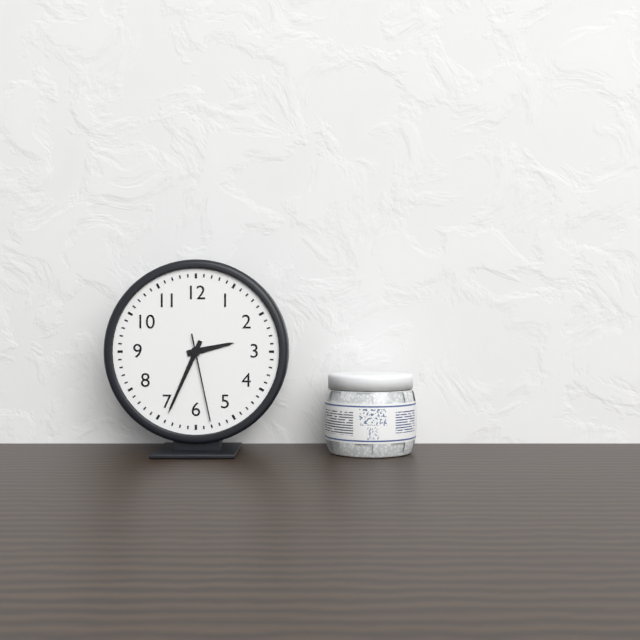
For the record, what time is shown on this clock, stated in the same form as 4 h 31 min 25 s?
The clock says 2 h 34 min 28 s
